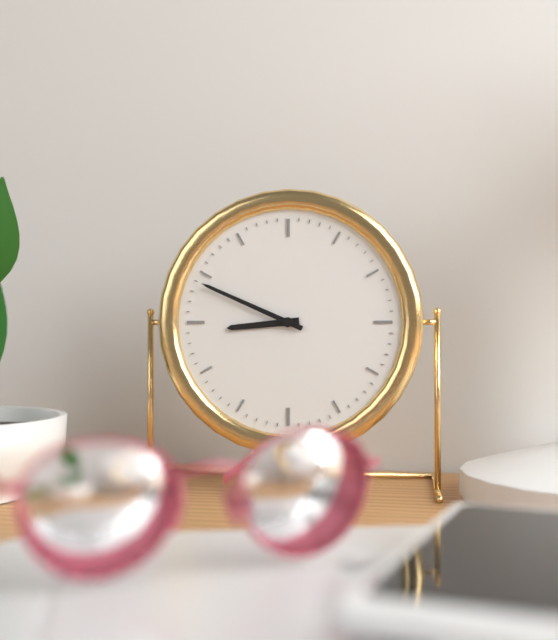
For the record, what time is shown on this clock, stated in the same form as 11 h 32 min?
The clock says 8 h 49 min
